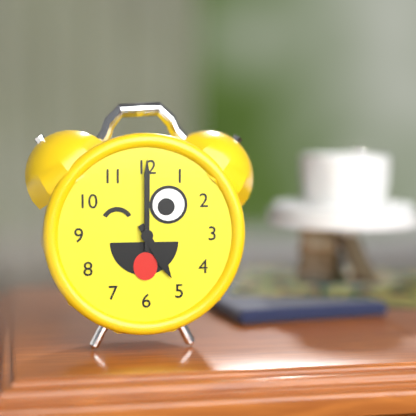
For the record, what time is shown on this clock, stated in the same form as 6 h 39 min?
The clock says 5 h 00 min
